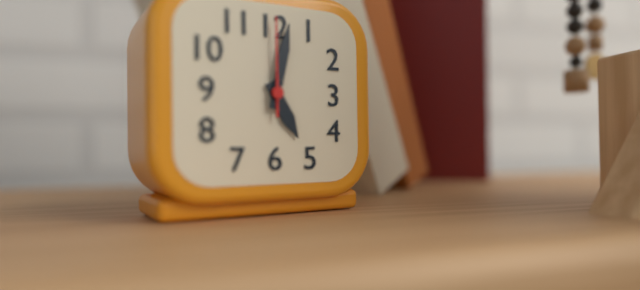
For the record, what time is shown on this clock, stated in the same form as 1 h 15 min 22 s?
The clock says 5 h 02 min 00 s
